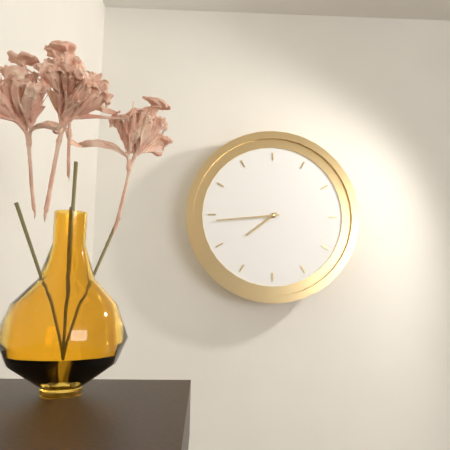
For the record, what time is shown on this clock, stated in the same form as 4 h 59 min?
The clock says 7 h 44 min
